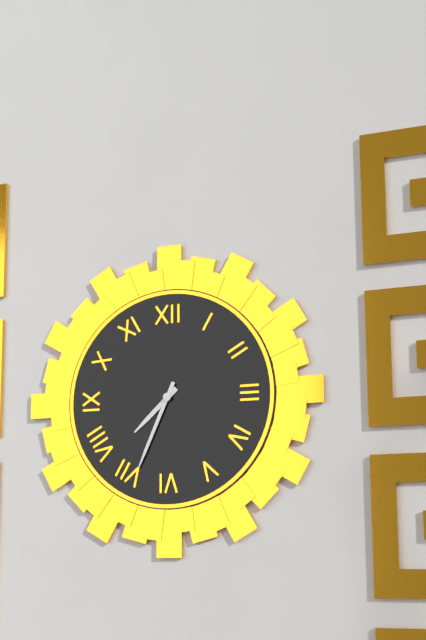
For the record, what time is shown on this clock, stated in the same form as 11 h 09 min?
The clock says 7 h 34 min
